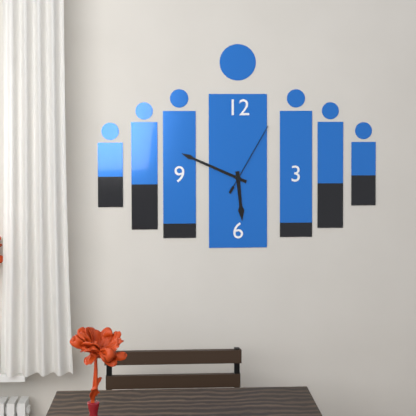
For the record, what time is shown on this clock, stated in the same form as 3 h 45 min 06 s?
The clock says 5 h 49 min 05 s
